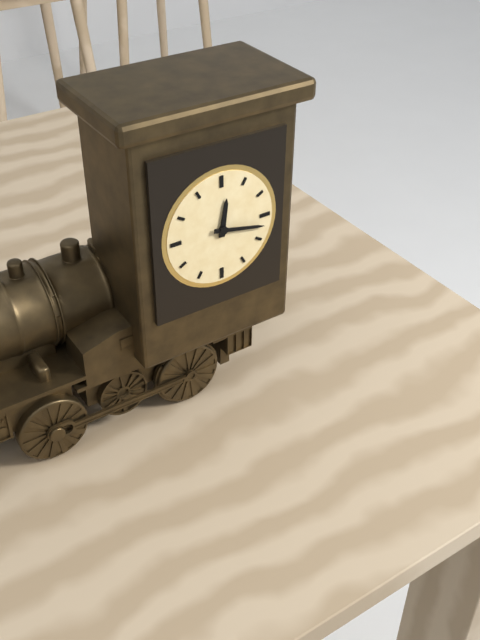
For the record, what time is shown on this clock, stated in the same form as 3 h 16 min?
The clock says 12 h 17 min
